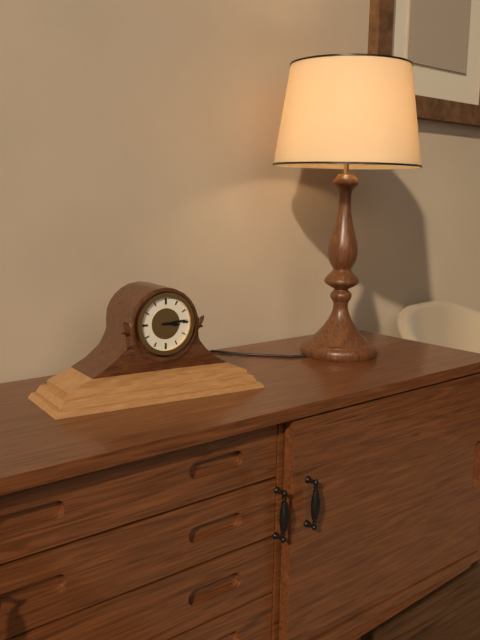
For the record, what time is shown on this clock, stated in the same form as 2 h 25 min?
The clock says 3 h 14 min
